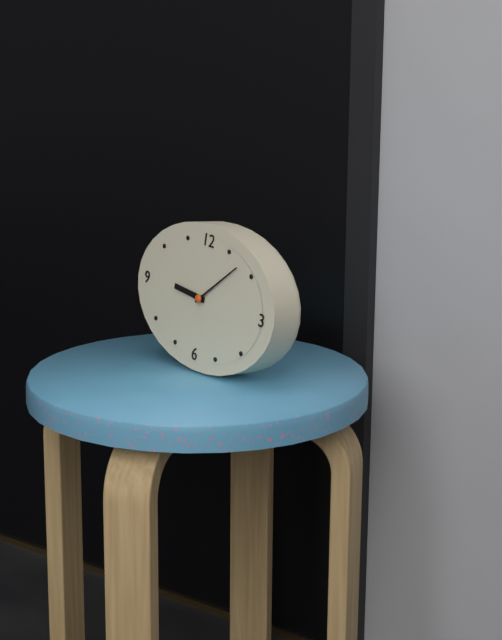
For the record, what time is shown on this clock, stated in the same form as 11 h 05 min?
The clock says 9 h 08 min
